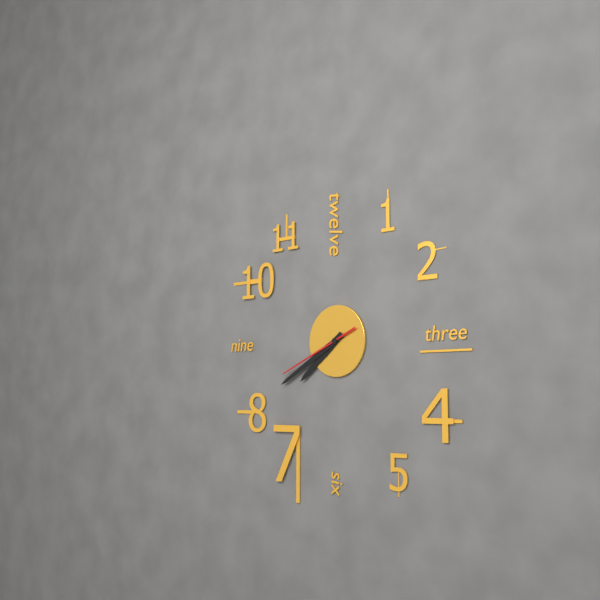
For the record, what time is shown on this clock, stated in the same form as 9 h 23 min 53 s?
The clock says 7 h 40 min 41 s
